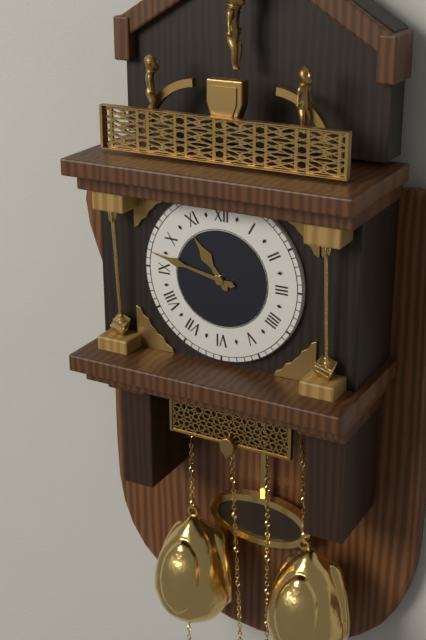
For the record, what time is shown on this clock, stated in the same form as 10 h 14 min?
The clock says 10 h 47 min
